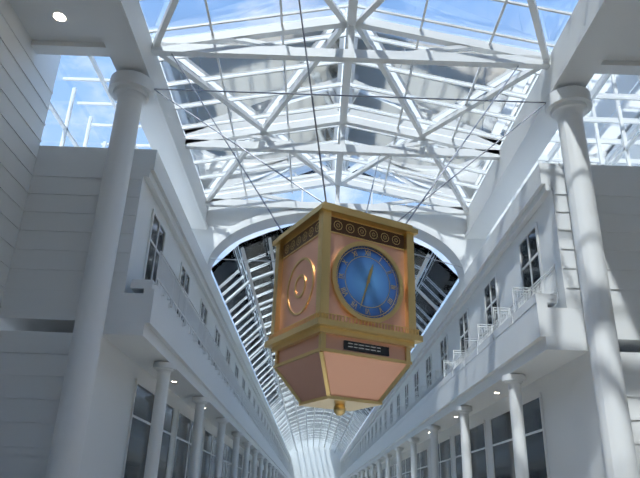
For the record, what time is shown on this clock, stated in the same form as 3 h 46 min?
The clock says 12 h 33 min
